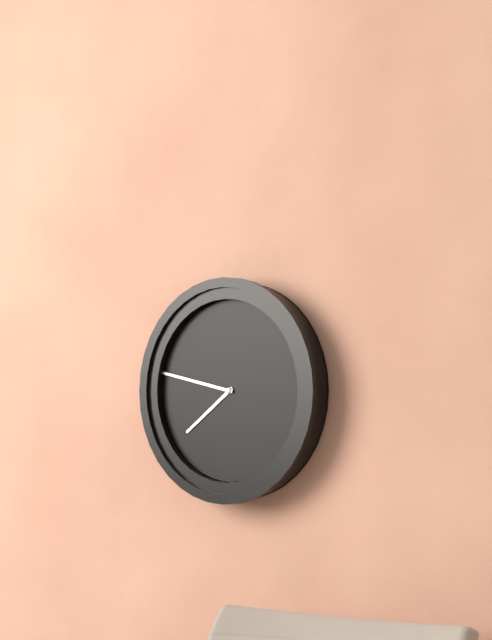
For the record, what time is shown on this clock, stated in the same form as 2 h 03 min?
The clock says 7 h 47 min
